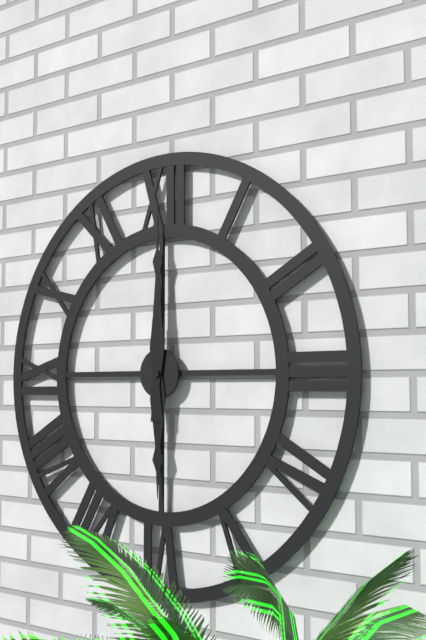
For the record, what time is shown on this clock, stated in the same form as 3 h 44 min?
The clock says 6 h 00 min
